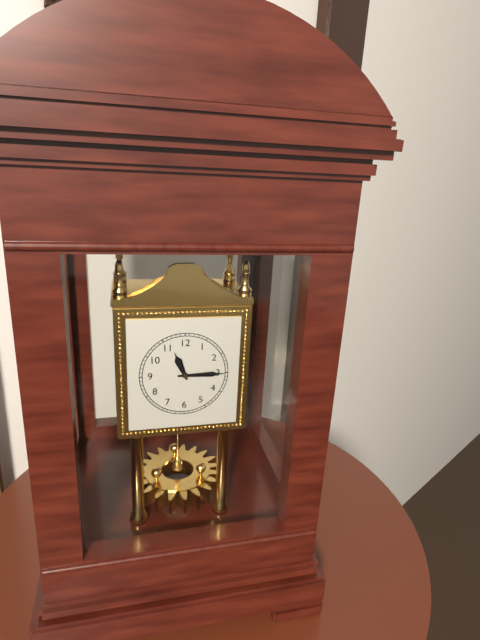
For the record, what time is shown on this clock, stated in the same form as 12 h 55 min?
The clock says 11 h 15 min
